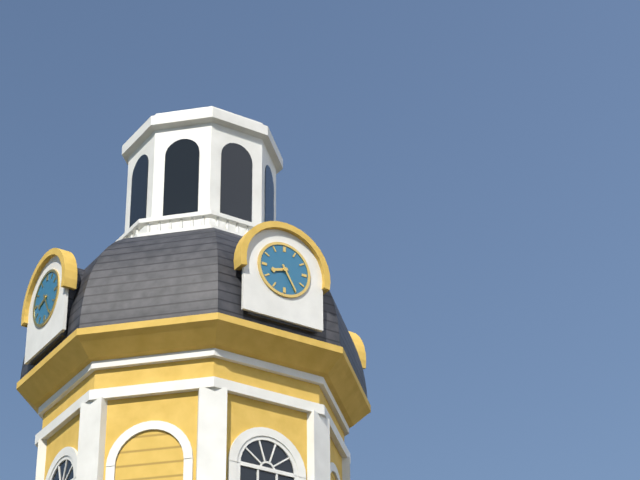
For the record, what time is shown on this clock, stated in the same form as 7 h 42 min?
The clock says 8 h 25 min
